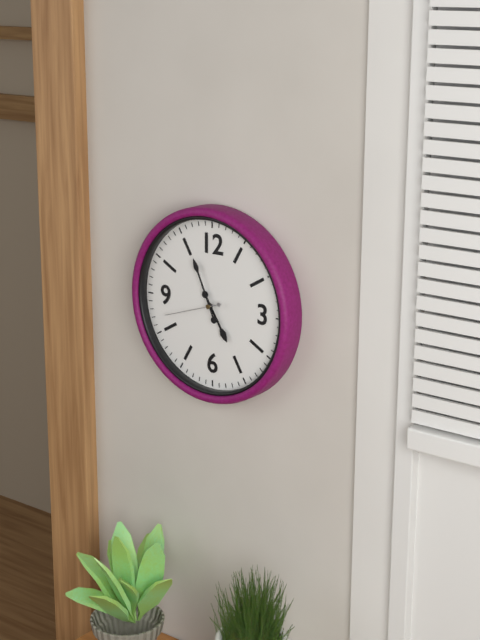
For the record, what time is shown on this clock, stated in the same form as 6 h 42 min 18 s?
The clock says 4 h 56 min 42 s
